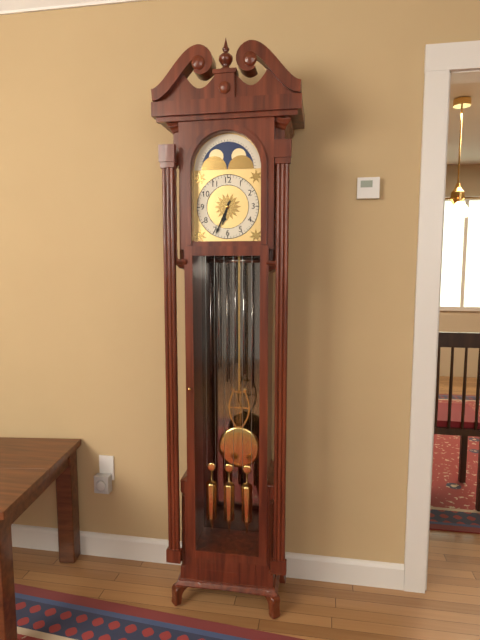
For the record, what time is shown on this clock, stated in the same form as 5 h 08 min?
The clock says 6 h 34 min
